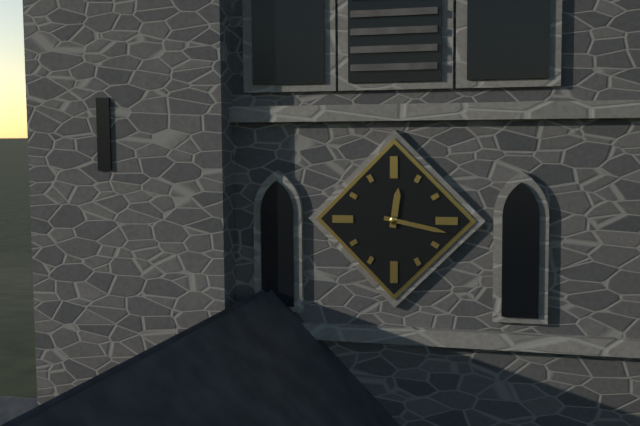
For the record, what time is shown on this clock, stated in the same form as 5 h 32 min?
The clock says 12 h 17 min
